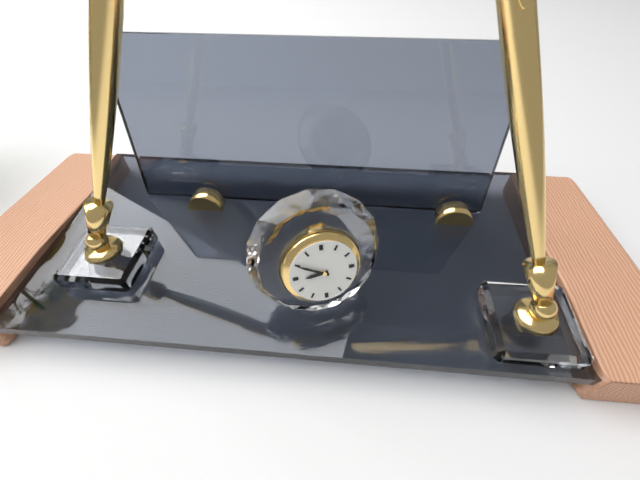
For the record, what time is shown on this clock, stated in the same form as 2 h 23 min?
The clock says 8 h 50 min
